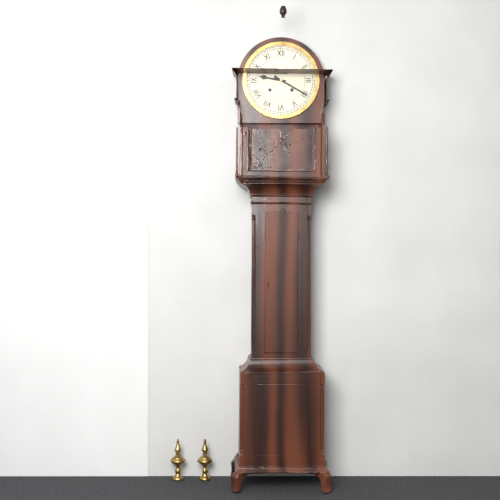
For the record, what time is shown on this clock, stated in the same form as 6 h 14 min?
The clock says 9 h 20 min
